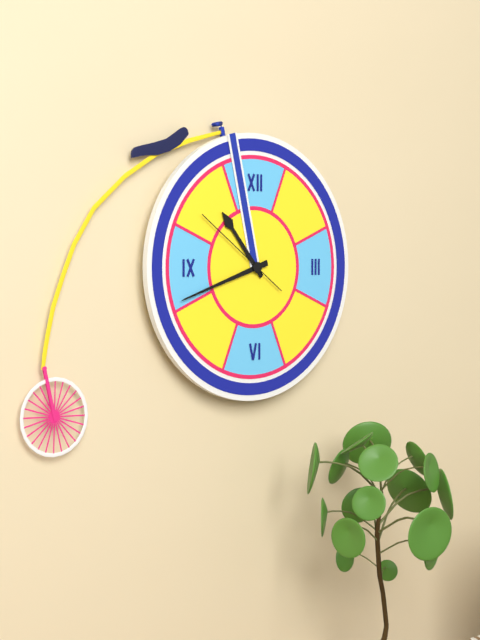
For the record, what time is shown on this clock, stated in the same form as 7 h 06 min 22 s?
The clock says 10 h 42 min 51 s
